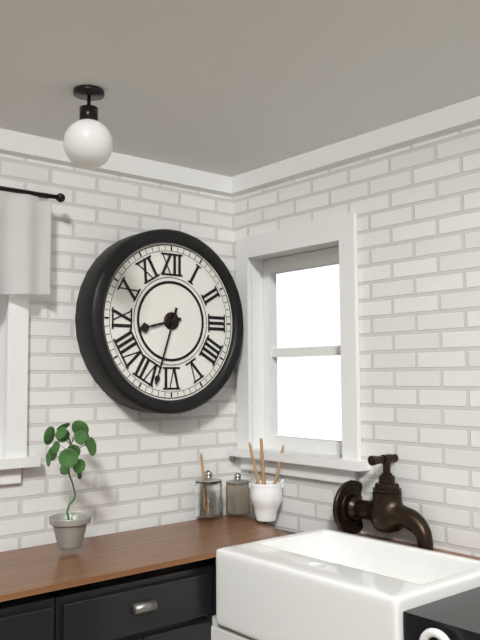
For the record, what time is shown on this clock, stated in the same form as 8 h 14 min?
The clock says 8 h 33 min
